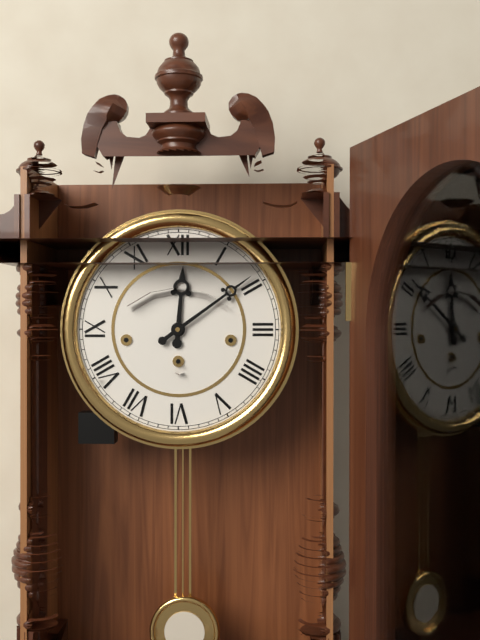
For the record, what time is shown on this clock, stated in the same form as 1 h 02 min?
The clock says 12 h 09 min
